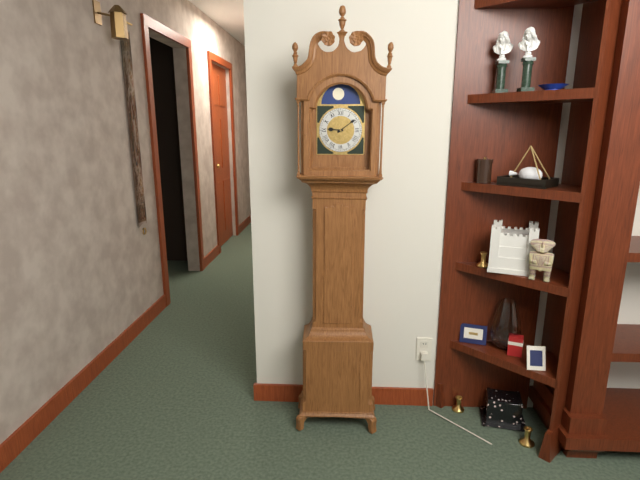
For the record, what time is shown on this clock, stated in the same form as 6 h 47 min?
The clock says 9 h 09 min
